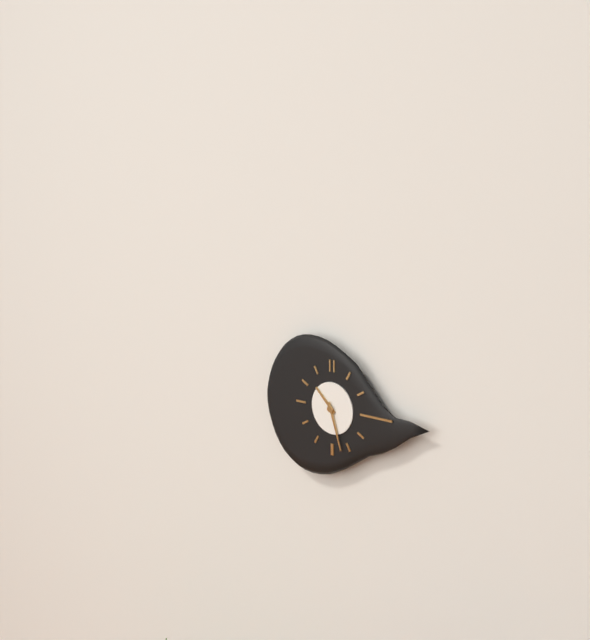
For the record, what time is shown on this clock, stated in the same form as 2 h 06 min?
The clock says 10 h 27 min
